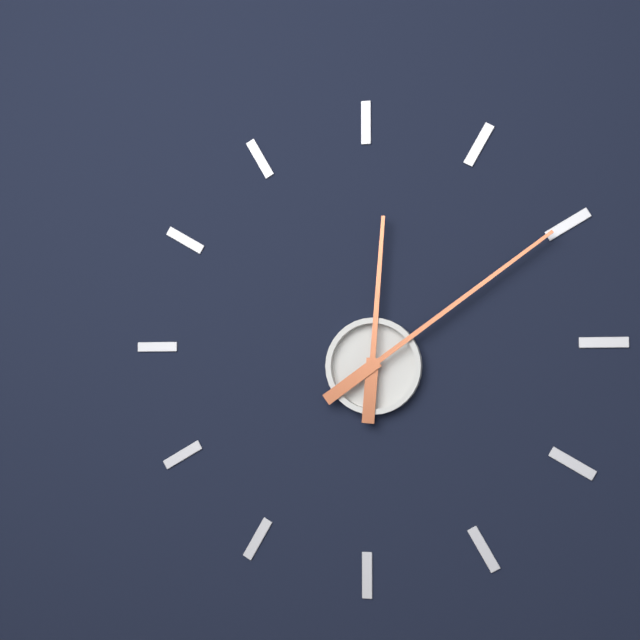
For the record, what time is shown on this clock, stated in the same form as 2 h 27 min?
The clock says 12 h 09 min
